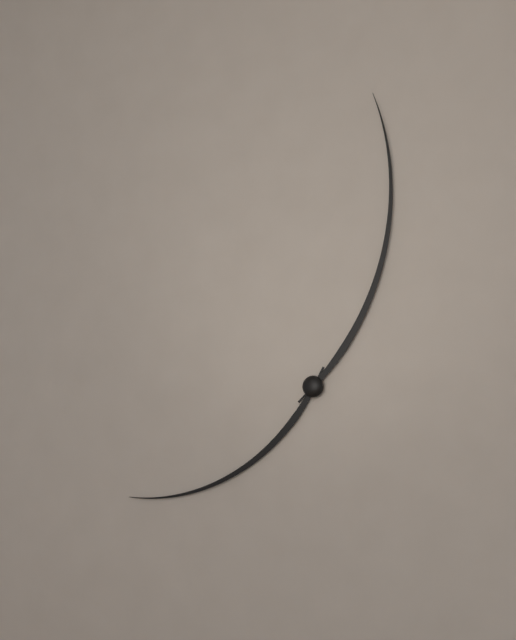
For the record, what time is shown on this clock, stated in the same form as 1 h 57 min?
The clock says 8 h 02 min
